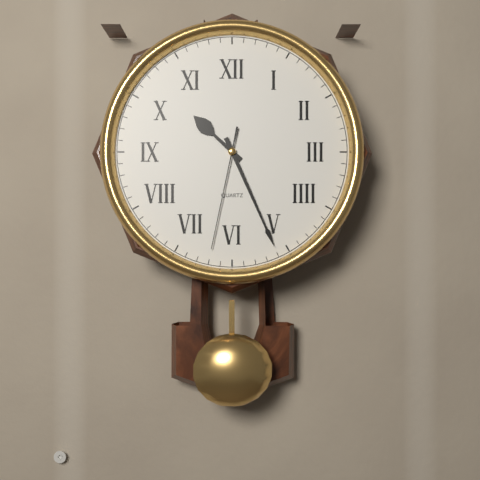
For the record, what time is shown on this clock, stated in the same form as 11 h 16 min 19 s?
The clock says 10 h 26 min 32 s
